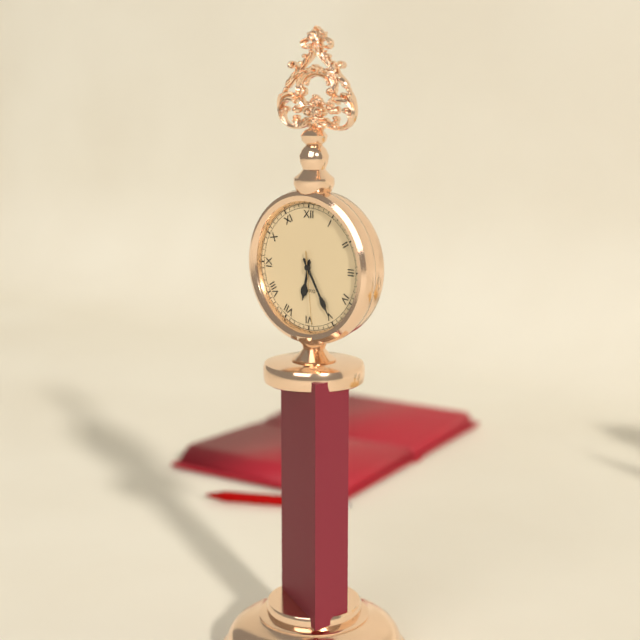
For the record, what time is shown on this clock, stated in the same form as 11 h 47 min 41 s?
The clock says 6 h 25 min 29 s
